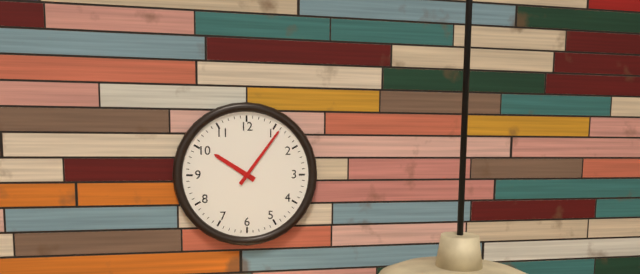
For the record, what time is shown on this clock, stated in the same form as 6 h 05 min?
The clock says 10 h 06 min
